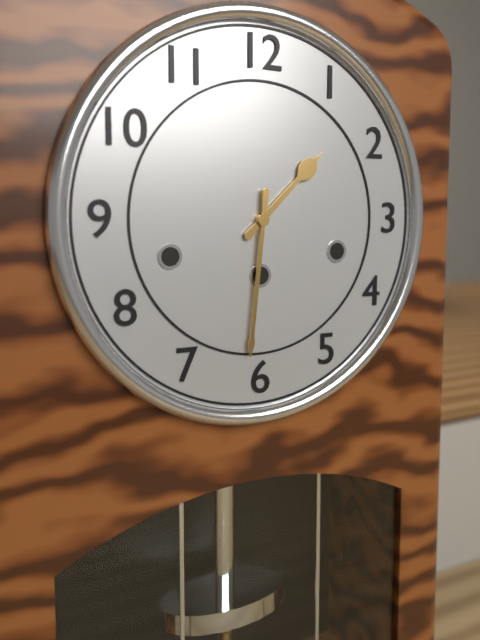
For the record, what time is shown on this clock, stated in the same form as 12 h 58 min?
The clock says 1 h 31 min
